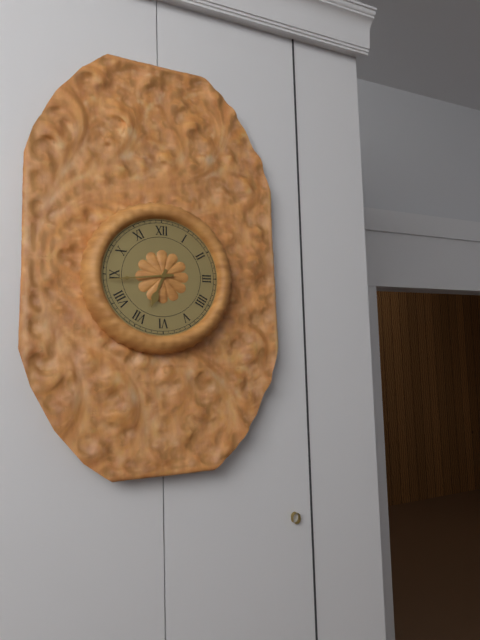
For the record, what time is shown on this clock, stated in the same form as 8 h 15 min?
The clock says 6 h 44 min
